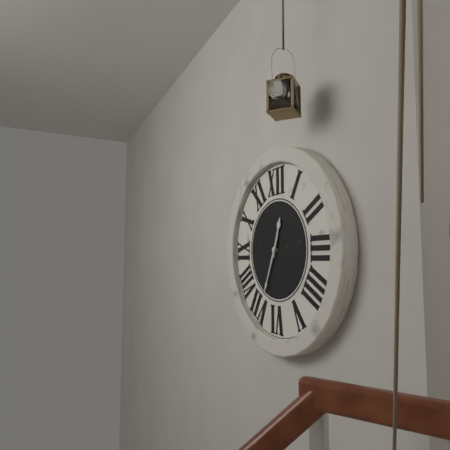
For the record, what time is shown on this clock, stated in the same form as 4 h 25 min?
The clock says 12 h 34 min
